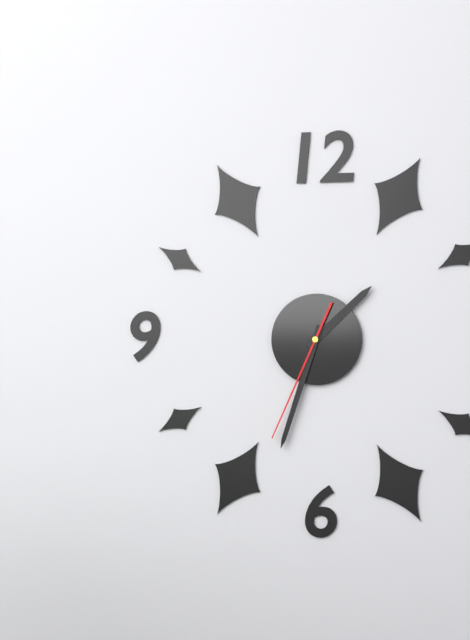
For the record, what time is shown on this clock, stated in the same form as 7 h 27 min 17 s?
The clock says 1 h 33 min 34 s
